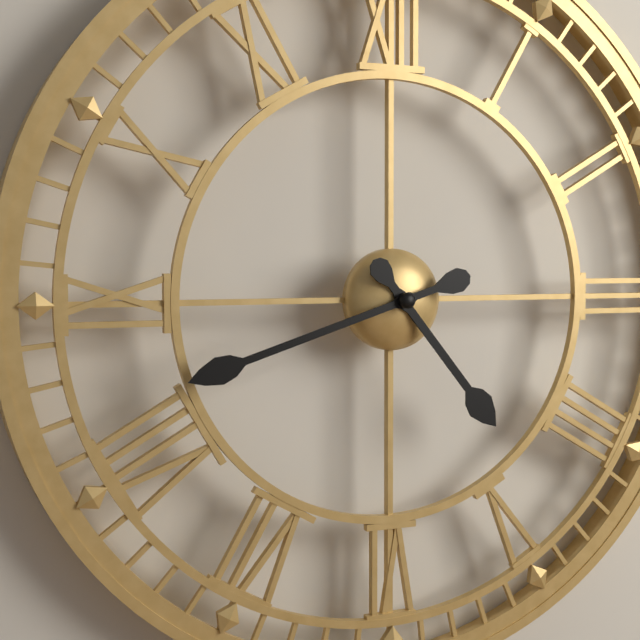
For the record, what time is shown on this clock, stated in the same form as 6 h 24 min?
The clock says 4 h 42 min
